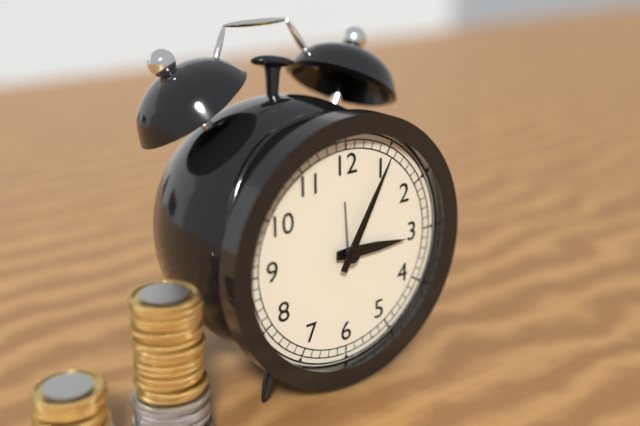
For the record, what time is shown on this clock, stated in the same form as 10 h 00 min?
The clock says 3 h 05 min
